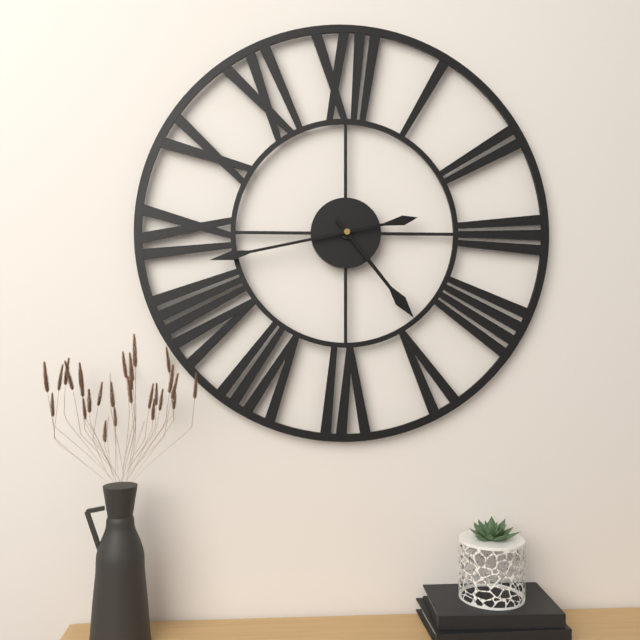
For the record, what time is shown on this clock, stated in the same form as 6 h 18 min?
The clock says 4 h 43 min
